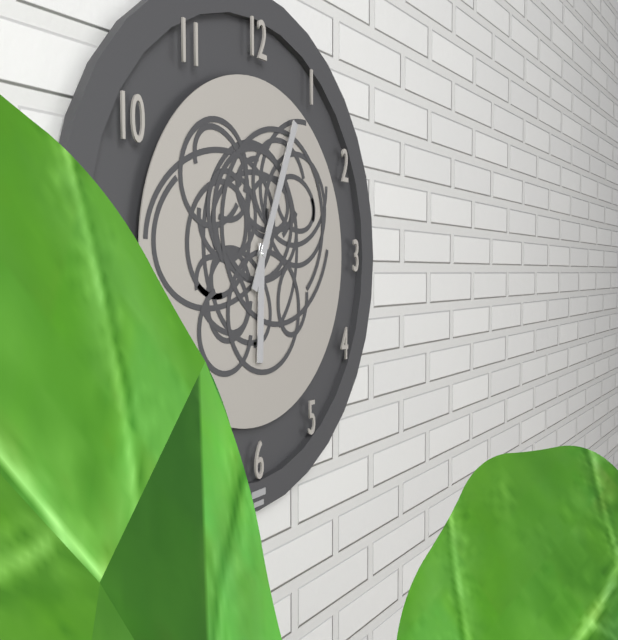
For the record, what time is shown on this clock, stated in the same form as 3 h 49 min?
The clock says 6 h 04 min
